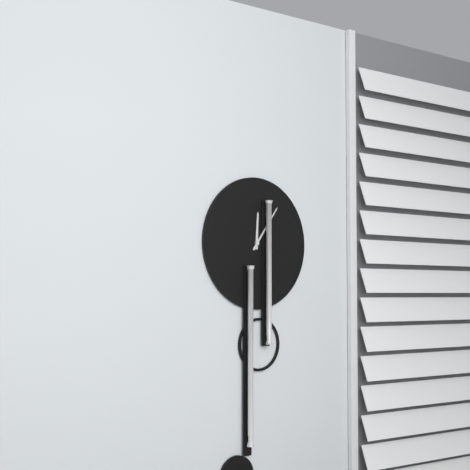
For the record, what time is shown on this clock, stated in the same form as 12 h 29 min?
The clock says 12 h 06 min
